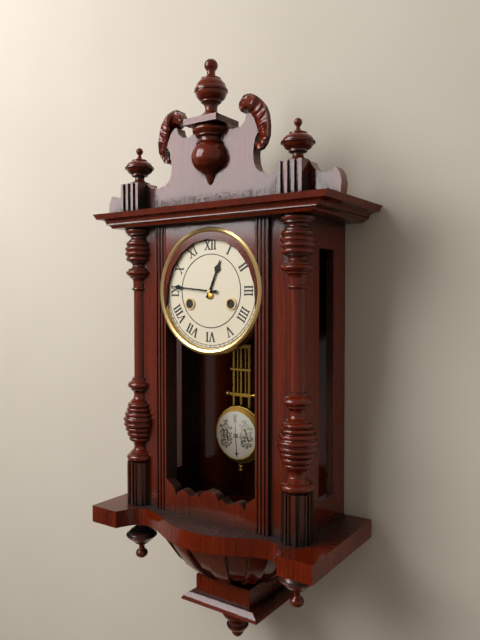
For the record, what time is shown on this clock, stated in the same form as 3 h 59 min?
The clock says 12 h 46 min
